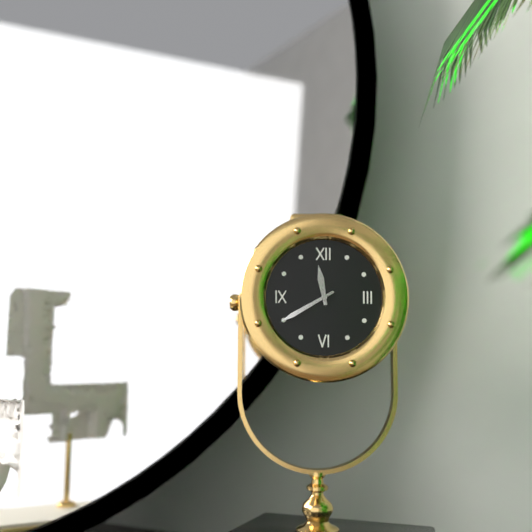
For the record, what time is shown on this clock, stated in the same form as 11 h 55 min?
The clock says 11 h 40 min
